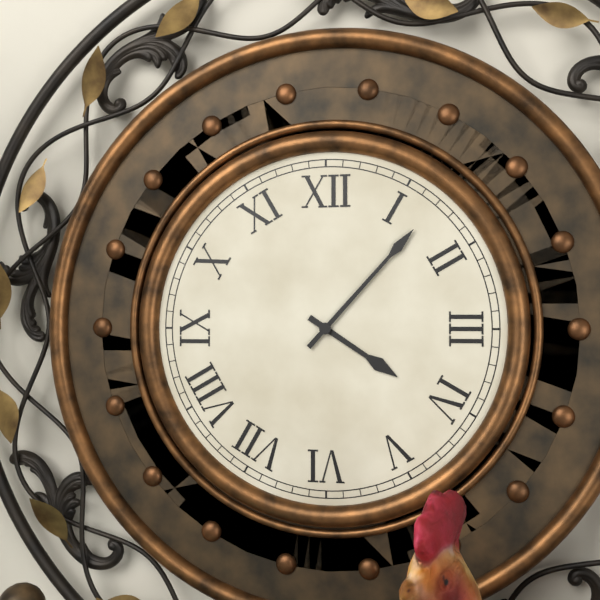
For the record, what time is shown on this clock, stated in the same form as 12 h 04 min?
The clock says 4 h 07 min
